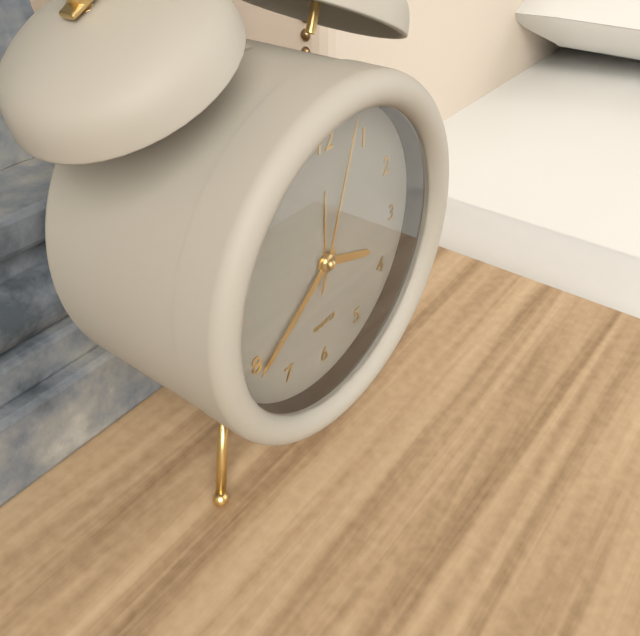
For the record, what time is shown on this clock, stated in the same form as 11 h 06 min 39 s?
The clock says 3 h 39 min 03 s
